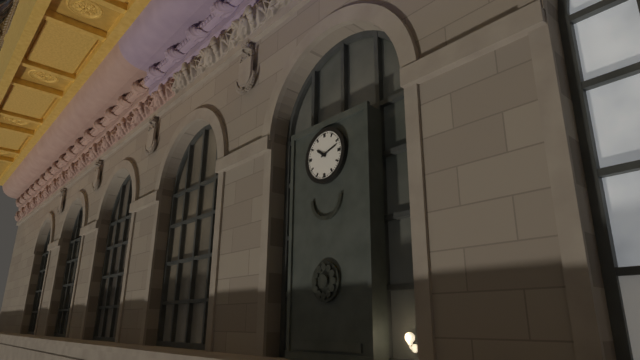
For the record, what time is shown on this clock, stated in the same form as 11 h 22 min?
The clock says 10 h 12 min
